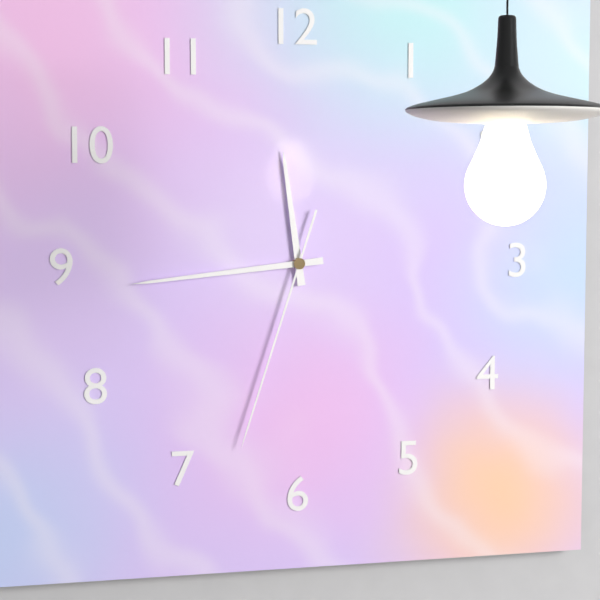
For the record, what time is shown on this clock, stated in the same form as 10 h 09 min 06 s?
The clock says 11 h 44 min 33 s
